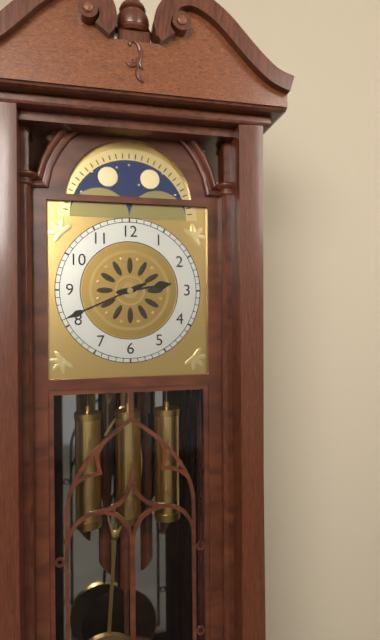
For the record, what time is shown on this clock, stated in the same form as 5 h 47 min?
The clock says 2 h 41 min
